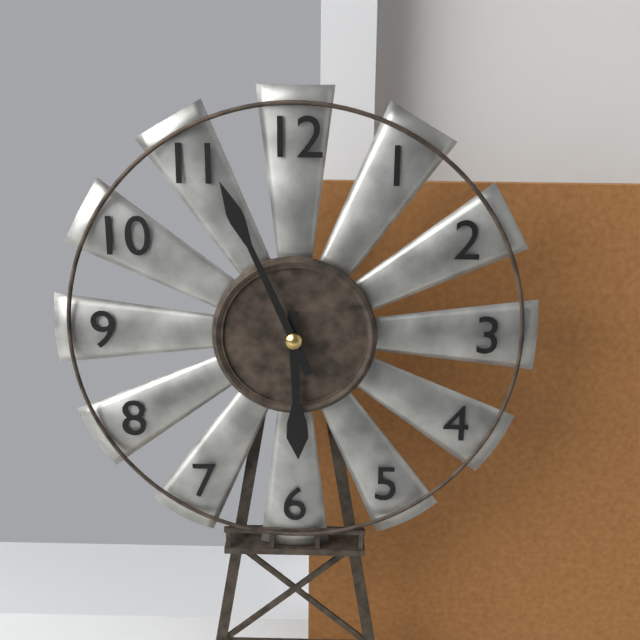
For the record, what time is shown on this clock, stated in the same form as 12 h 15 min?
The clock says 5 h 56 min
